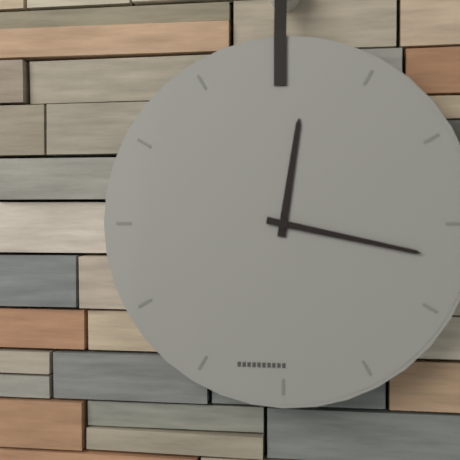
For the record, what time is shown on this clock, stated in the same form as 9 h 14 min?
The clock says 12 h 17 min
